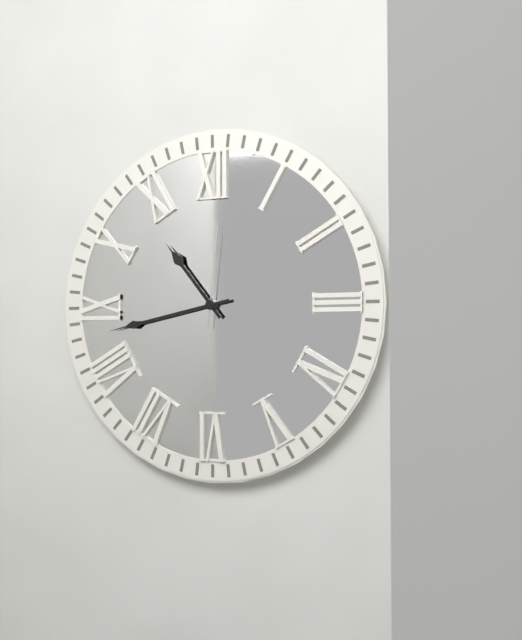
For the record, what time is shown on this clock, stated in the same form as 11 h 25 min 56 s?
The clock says 10 h 43 min 01 s
